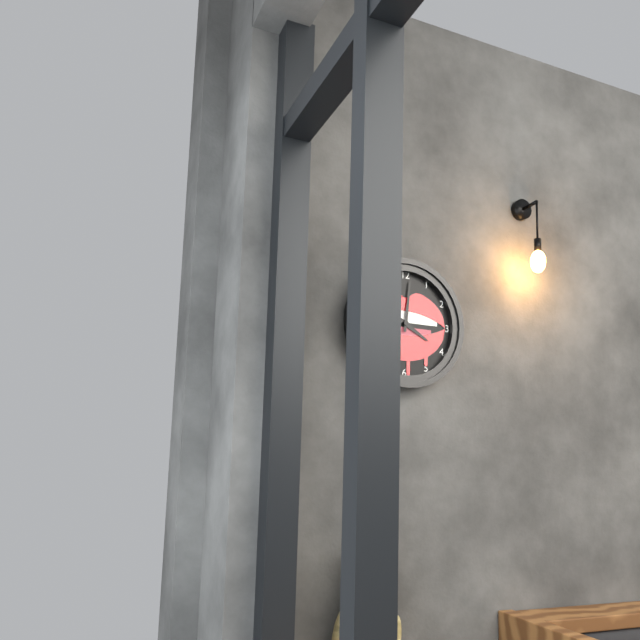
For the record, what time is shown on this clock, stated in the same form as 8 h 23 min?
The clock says 4 h 01 min
